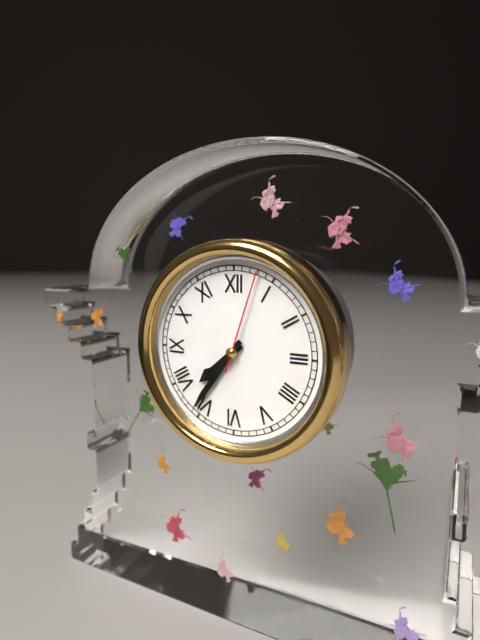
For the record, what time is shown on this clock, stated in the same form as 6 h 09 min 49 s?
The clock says 7 h 36 min 03 s
